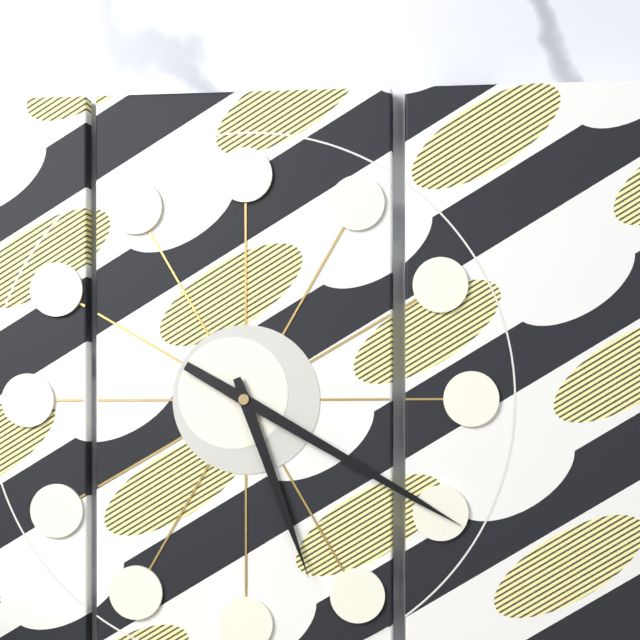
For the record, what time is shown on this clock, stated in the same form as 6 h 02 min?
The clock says 5 h 20 min
